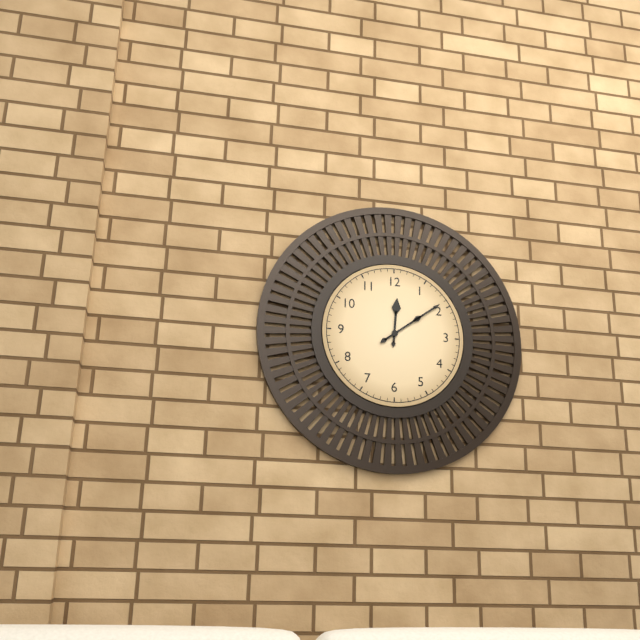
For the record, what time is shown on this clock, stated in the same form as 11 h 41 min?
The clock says 12 h 09 min
